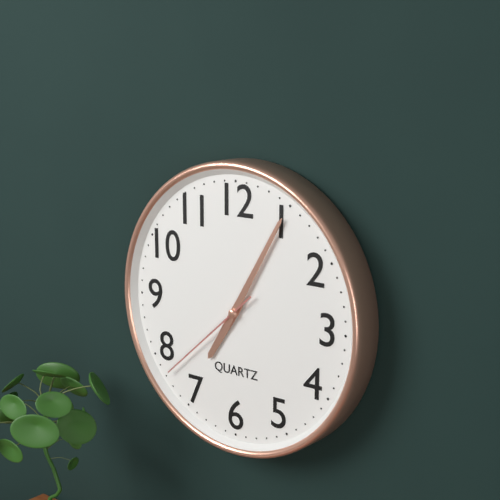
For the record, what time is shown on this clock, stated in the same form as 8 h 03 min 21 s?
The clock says 7 h 05 min 38 s
